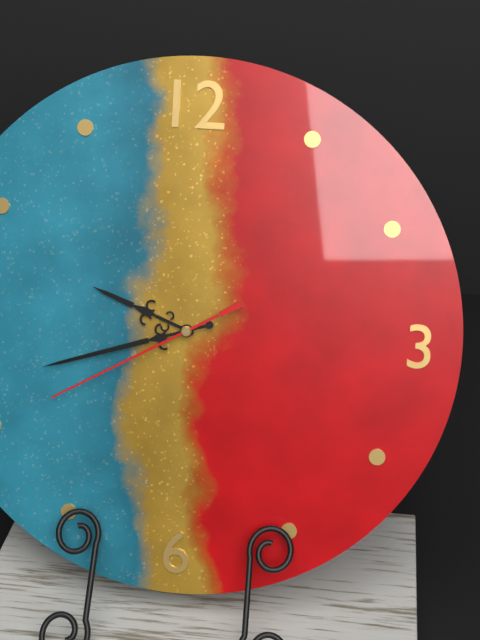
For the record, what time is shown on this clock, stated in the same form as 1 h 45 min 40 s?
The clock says 9 h 42 min 40 s
